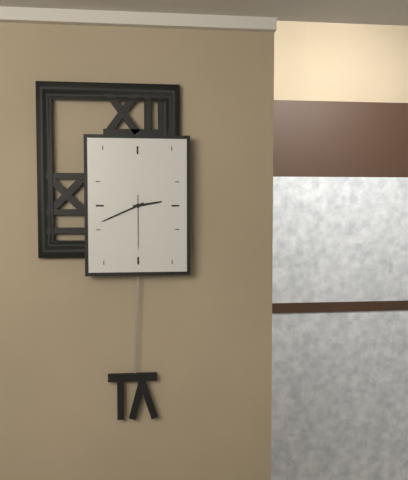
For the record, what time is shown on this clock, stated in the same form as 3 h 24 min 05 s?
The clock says 2 h 41 min 30 s
